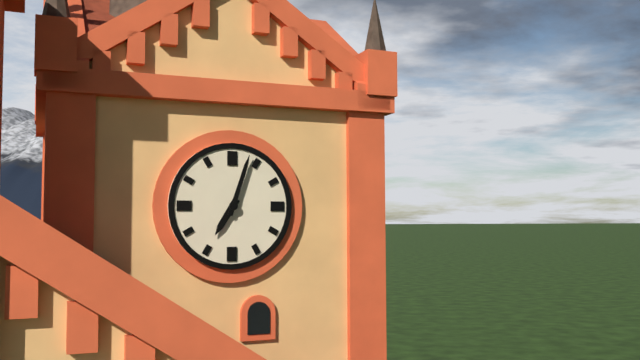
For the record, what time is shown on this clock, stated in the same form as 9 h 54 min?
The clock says 7 h 03 min
